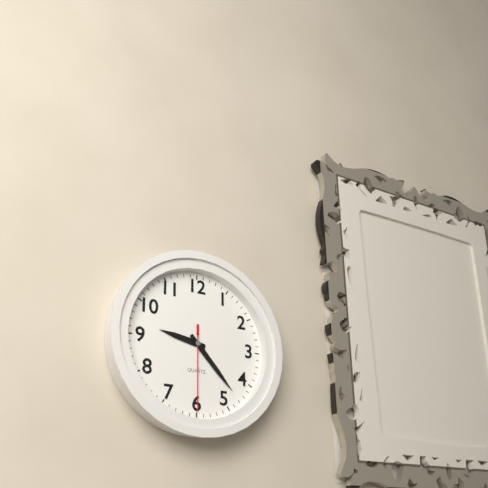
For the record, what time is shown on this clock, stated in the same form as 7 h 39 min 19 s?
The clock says 9 h 23 min 30 s
